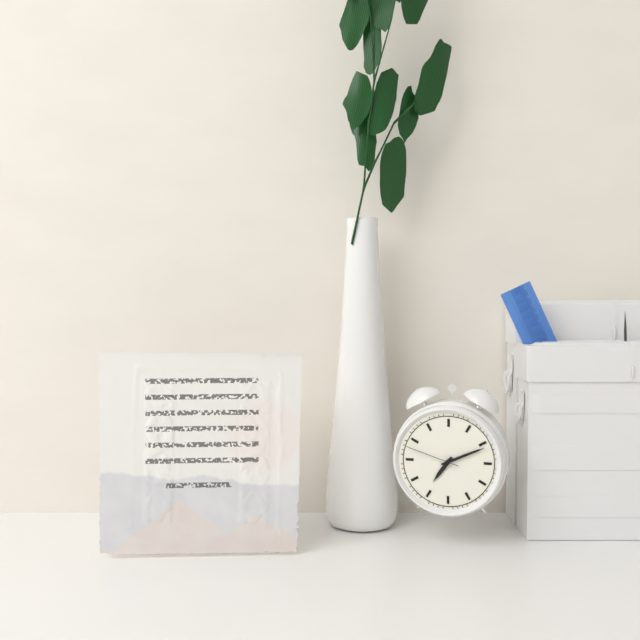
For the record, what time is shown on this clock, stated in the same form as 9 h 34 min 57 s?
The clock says 7 h 11 min 48 s
